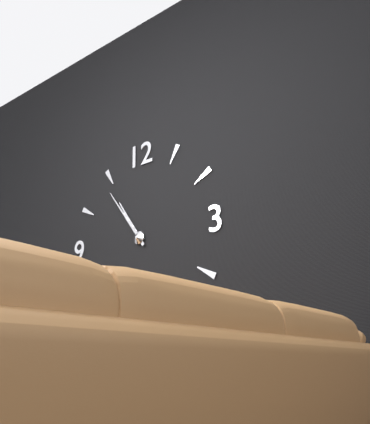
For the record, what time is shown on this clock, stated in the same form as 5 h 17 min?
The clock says 10 h 54 min
